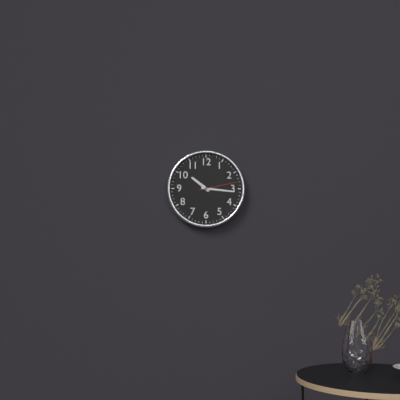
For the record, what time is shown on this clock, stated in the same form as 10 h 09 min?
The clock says 10 h 16 min
